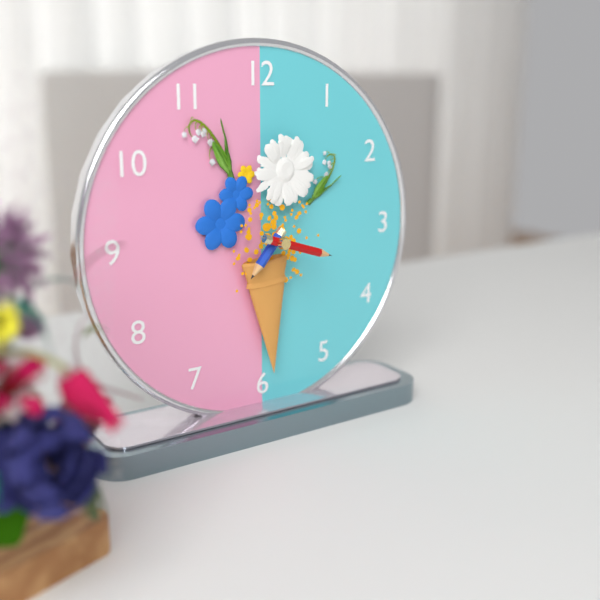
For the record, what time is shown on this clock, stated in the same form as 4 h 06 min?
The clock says 7 h 18 min
